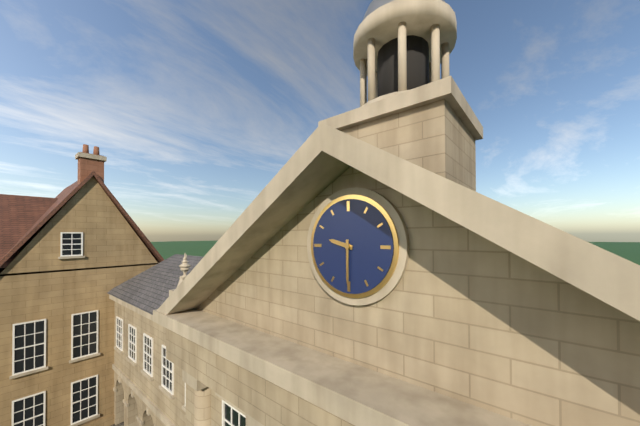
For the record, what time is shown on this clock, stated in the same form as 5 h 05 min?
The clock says 9 h 30 min
